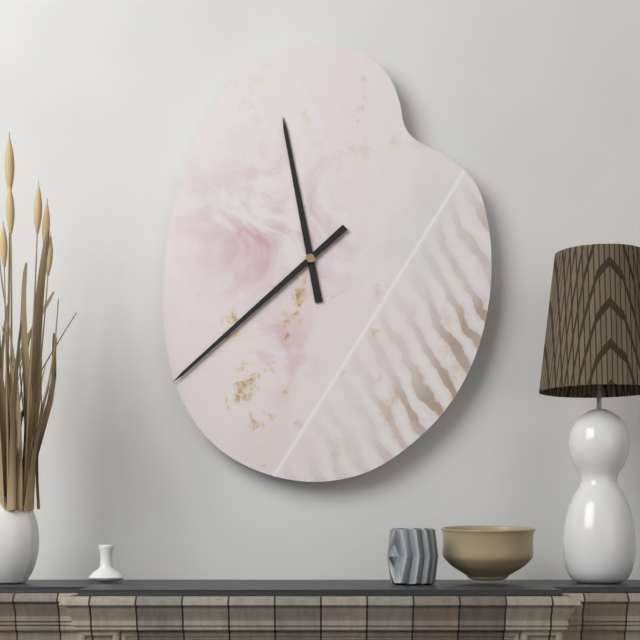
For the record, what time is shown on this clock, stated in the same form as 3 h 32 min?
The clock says 11 h 38 min
